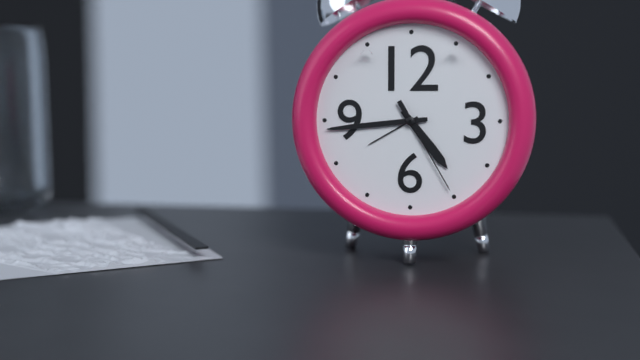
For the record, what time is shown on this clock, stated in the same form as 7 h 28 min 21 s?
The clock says 4 h 44 min 25 s
